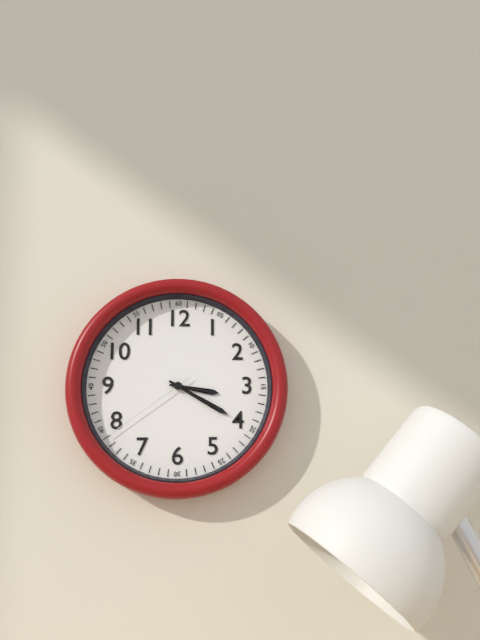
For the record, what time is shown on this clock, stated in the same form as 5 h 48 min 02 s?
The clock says 3 h 20 min 39 s
